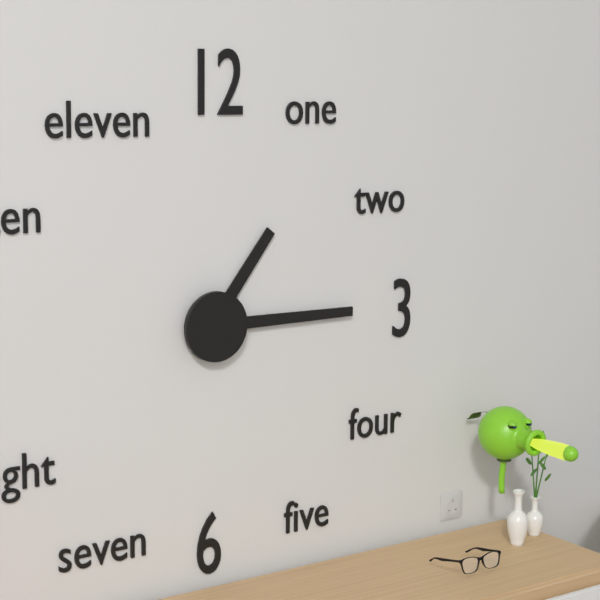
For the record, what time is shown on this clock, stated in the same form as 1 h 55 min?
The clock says 1 h 15 min
